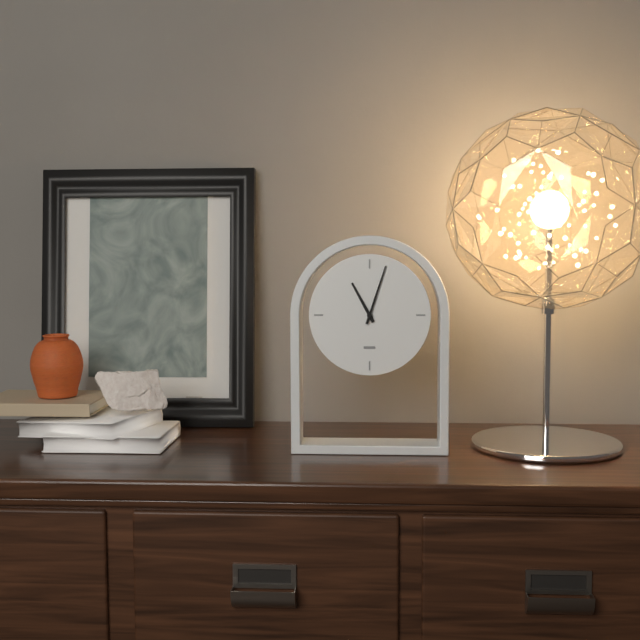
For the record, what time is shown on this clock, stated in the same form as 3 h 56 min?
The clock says 11 h 03 min
